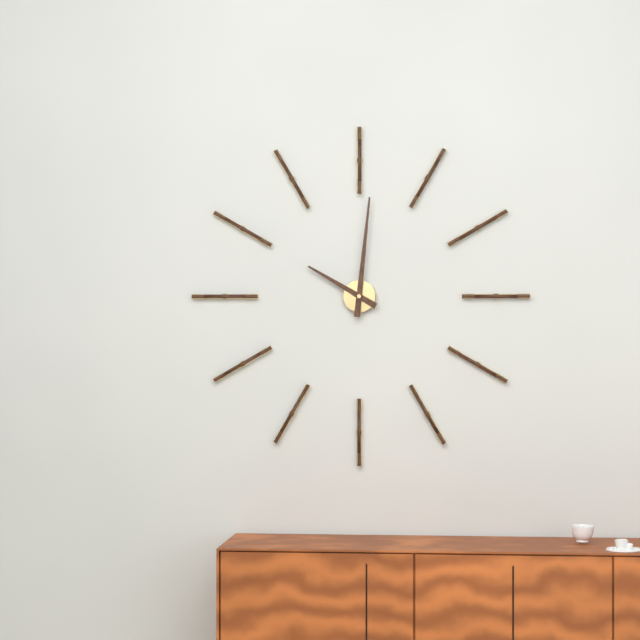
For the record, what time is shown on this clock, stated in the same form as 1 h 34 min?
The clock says 10 h 01 min
